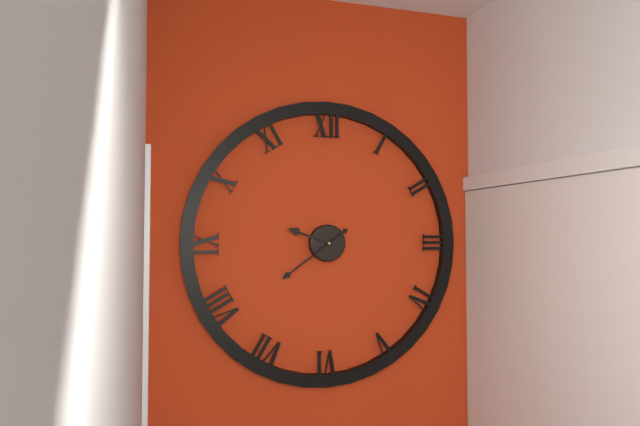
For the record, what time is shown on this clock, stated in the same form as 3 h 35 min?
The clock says 9 h 39 min
